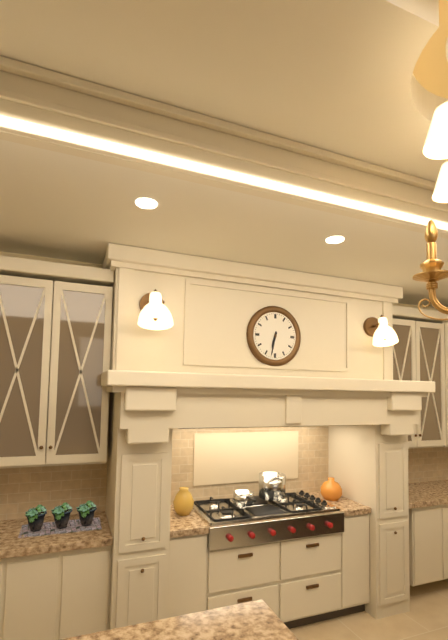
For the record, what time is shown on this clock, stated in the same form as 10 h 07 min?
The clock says 6 h 32 min
